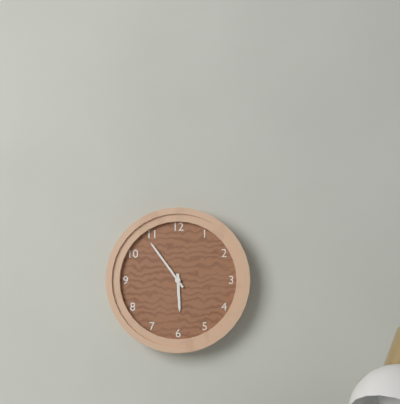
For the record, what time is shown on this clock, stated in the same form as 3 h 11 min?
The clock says 5 h 54 min
